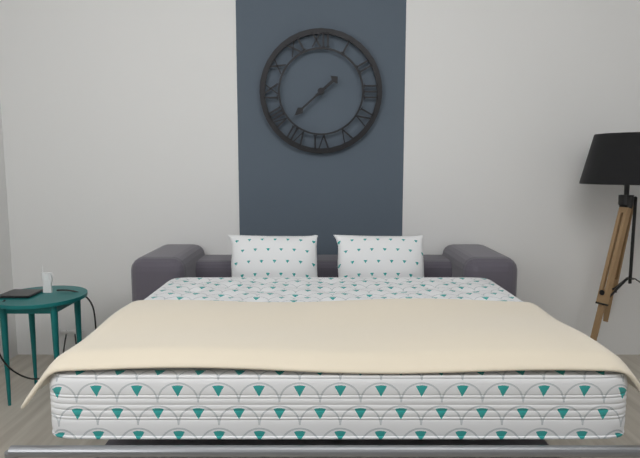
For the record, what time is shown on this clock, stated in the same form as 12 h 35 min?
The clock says 1 h 38 min
